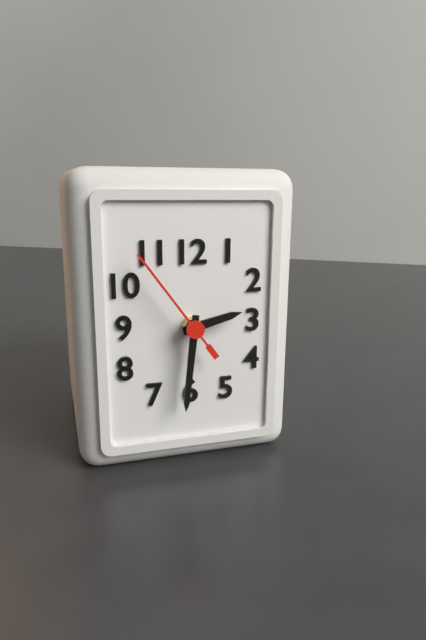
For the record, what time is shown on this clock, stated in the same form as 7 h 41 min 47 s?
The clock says 2 h 31 min 54 s
